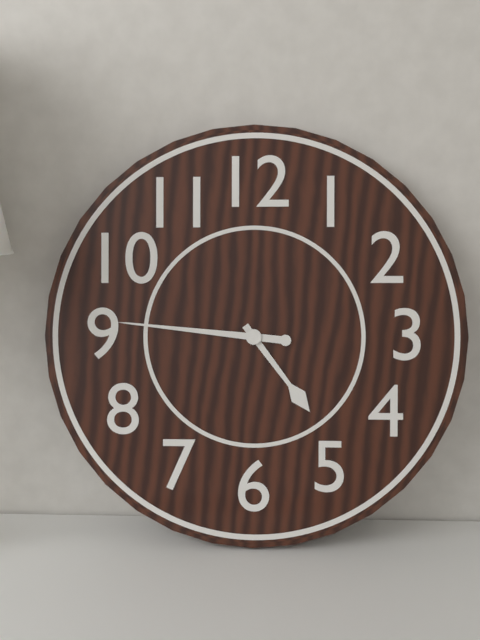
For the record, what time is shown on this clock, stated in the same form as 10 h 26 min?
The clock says 4 h 46 min
